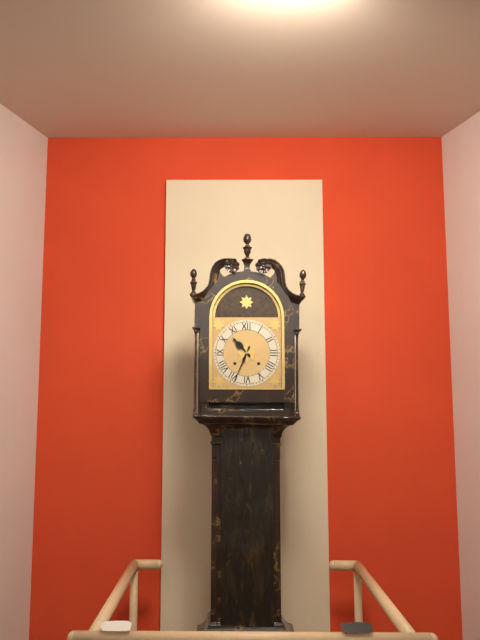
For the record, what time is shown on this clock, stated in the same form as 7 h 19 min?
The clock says 10 h 34 min
